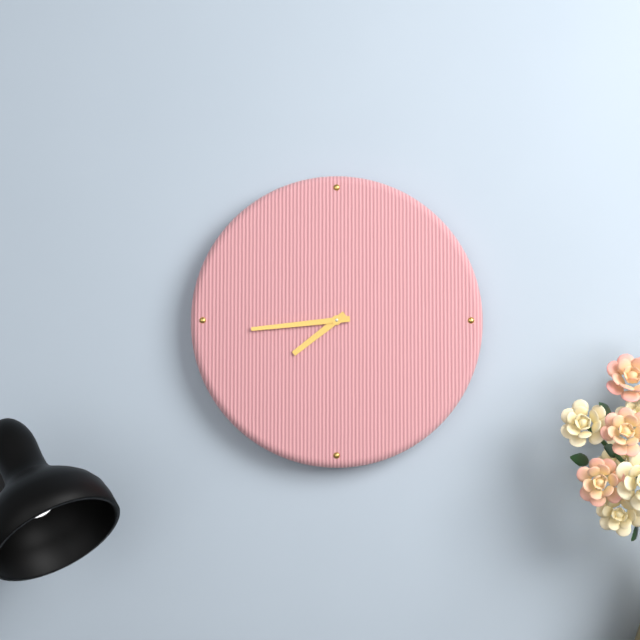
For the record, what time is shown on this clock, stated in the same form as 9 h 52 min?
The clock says 7 h 44 min
